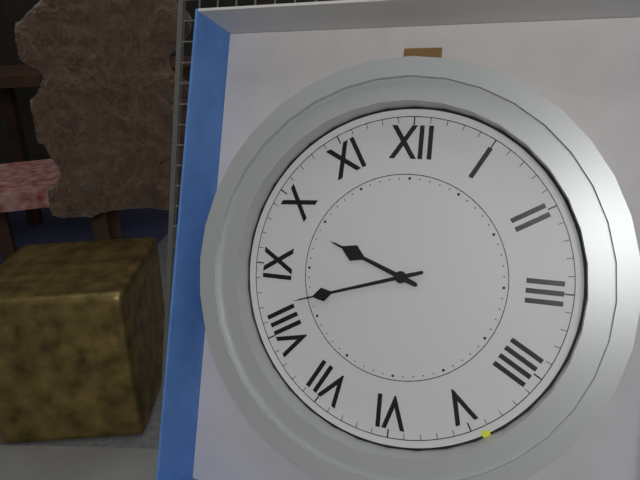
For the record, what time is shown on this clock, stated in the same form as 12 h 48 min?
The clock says 9 h 42 min
